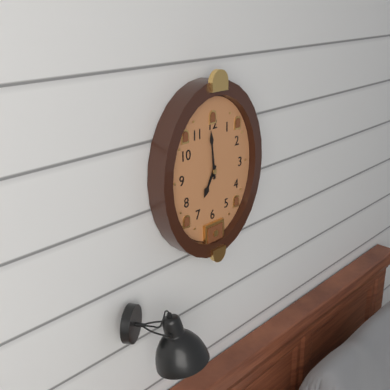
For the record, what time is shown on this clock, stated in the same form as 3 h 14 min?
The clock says 6 h 59 min
